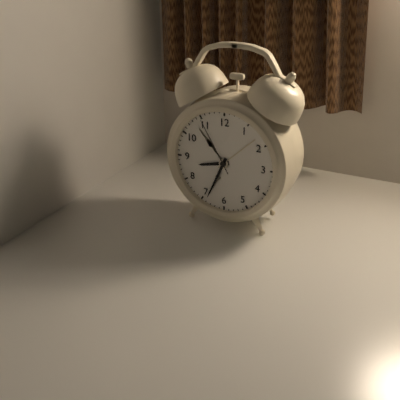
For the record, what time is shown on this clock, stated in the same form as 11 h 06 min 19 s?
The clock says 8 h 34 min 55 s
